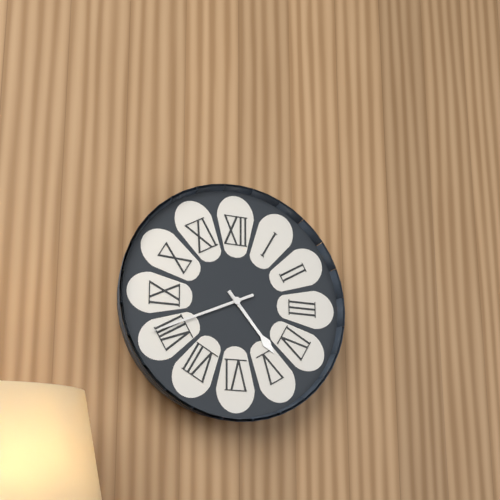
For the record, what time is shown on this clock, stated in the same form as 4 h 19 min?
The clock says 4 h 41 min
